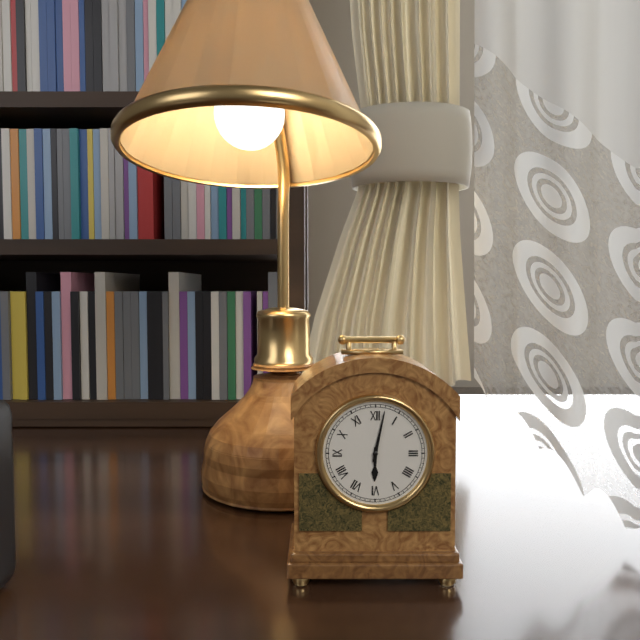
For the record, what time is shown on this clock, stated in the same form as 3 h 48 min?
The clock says 6 h 02 min
